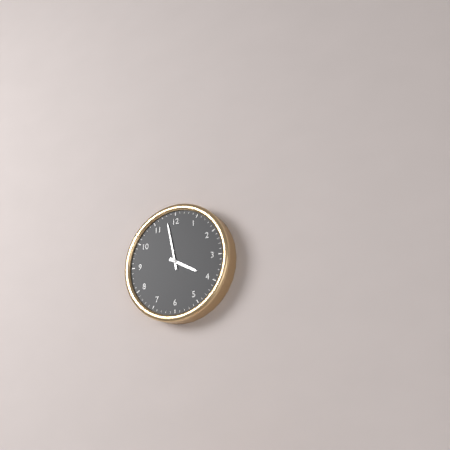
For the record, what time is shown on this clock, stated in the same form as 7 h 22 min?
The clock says 3 h 58 min
